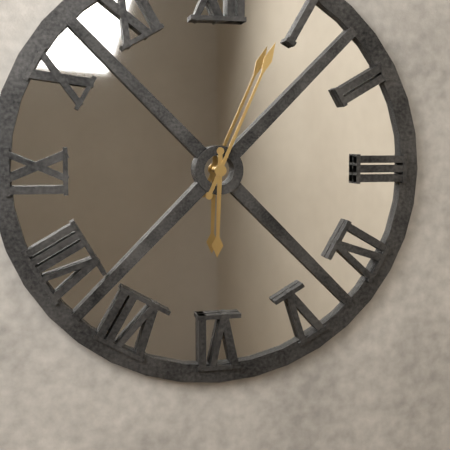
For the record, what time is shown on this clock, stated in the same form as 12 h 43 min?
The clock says 6 h 04 min
